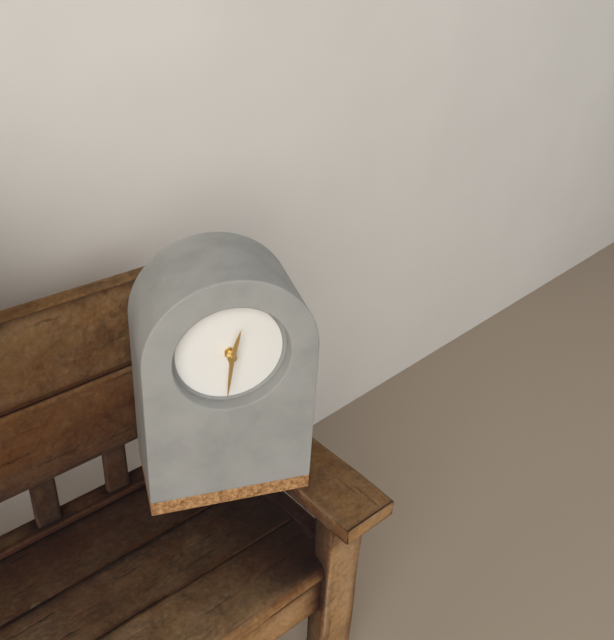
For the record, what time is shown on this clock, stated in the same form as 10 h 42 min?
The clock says 12 h 31 min
